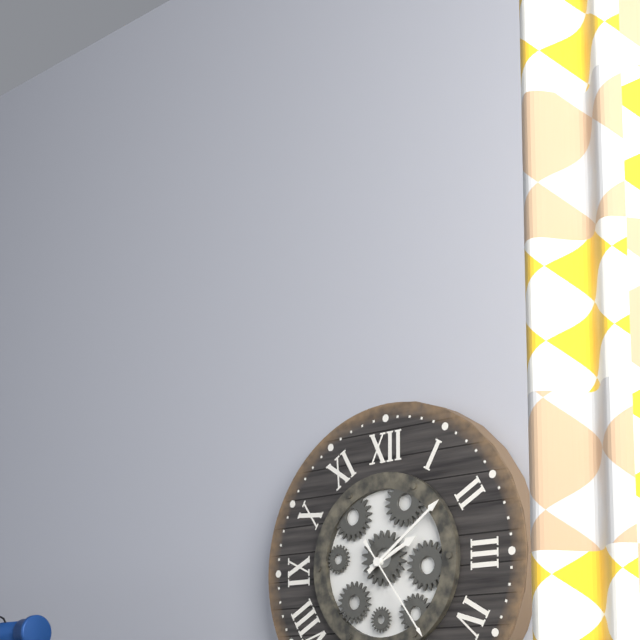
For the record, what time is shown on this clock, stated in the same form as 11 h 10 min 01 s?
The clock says 2 h 09 min 24 s
